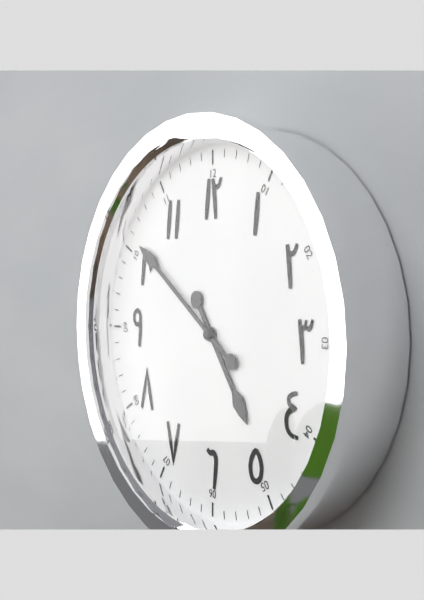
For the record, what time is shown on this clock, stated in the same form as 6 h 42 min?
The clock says 4 h 51 min
